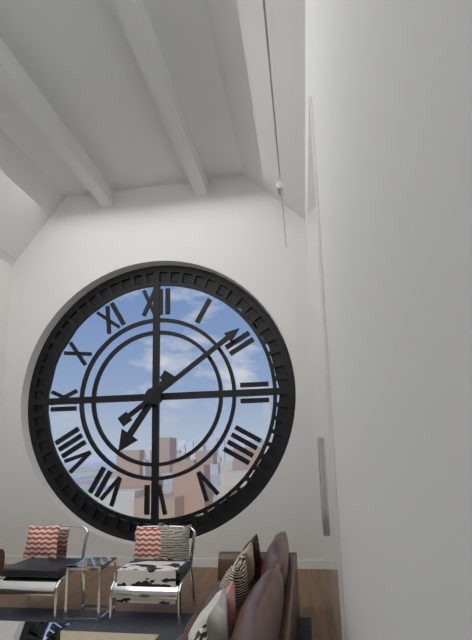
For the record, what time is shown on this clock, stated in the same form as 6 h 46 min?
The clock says 7 h 09 min
